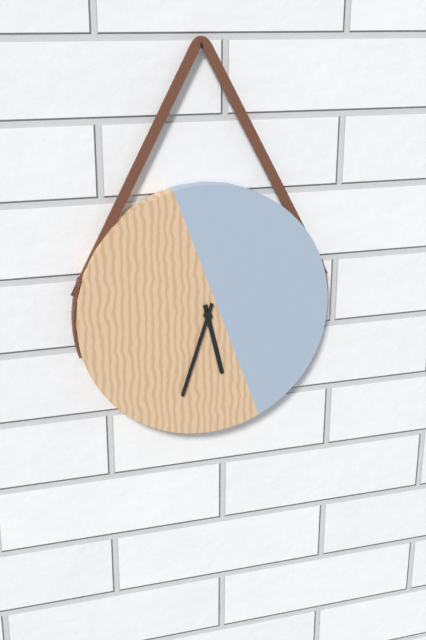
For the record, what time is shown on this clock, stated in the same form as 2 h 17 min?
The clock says 5 h 33 min
